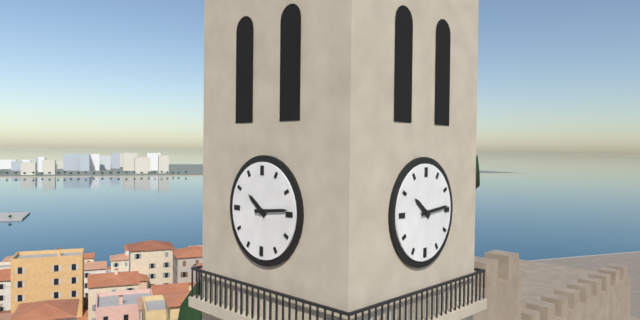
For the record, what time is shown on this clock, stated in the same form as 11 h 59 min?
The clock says 10 h 14 min
